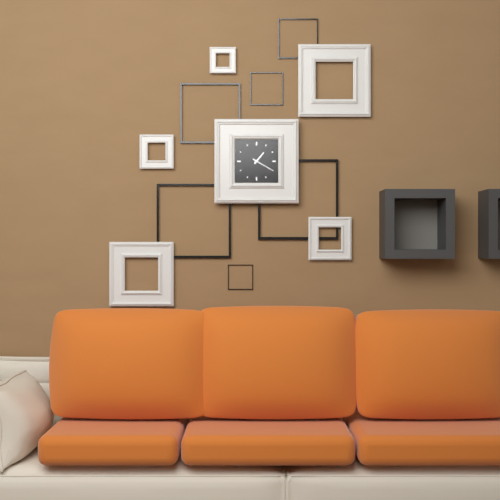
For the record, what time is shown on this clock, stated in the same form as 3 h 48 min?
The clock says 1 h 20 min
